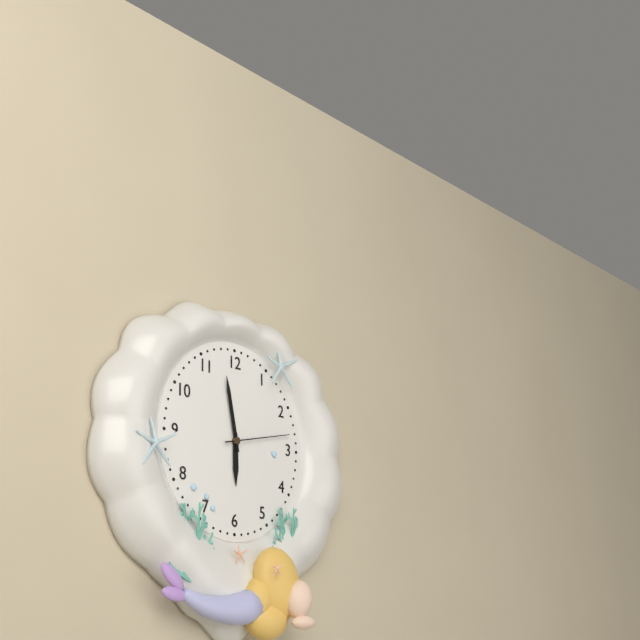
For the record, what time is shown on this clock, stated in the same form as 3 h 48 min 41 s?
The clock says 5 h 58 min 13 s
